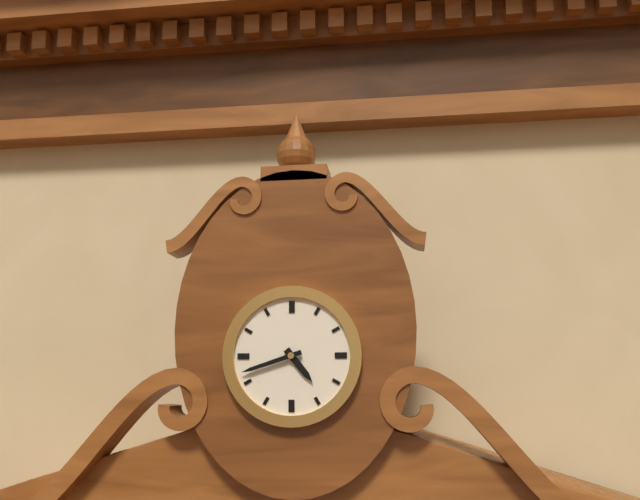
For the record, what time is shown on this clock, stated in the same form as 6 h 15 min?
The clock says 4 h 42 min
